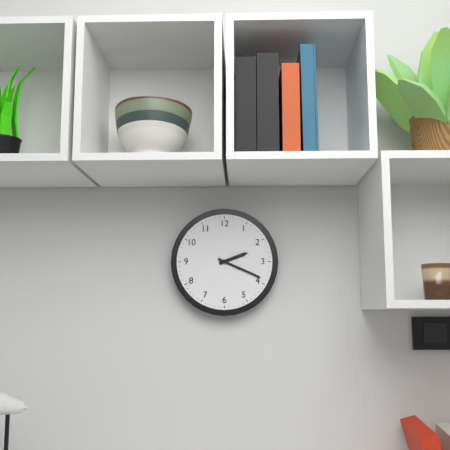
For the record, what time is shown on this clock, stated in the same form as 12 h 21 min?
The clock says 2 h 19 min
